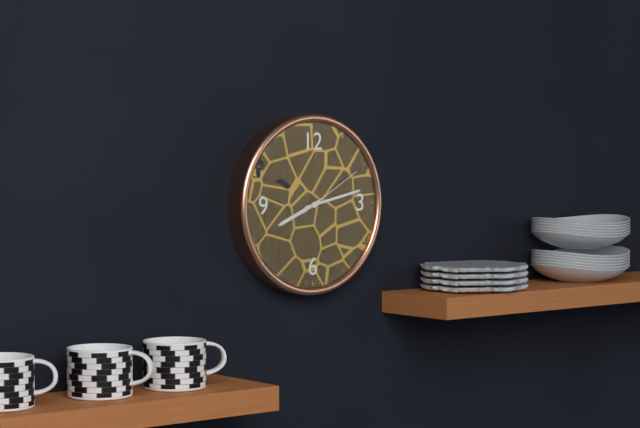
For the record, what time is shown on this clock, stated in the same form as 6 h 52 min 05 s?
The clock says 8 h 13 min 10 s
